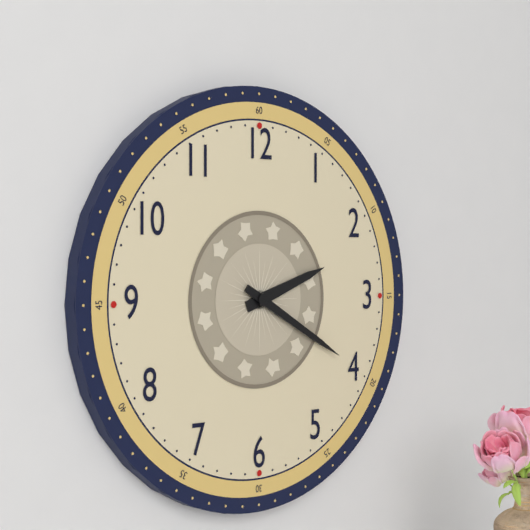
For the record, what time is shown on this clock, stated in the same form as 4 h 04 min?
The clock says 2 h 20 min
